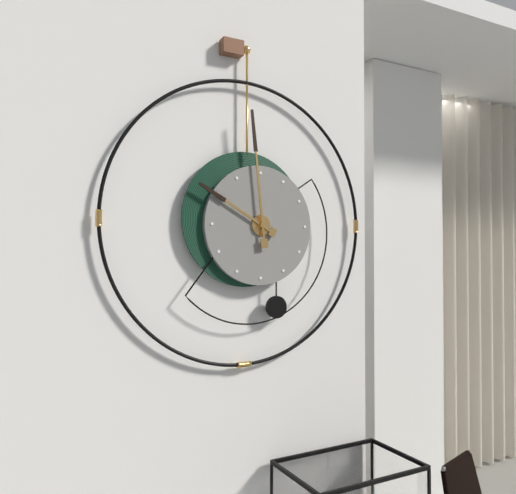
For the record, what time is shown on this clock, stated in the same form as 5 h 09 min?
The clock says 9 h 59 min
